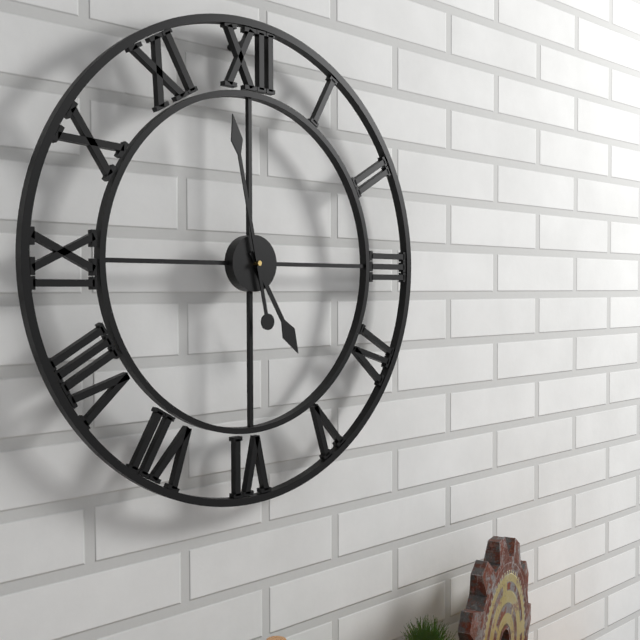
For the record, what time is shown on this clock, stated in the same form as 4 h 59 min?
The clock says 4 h 58 min
